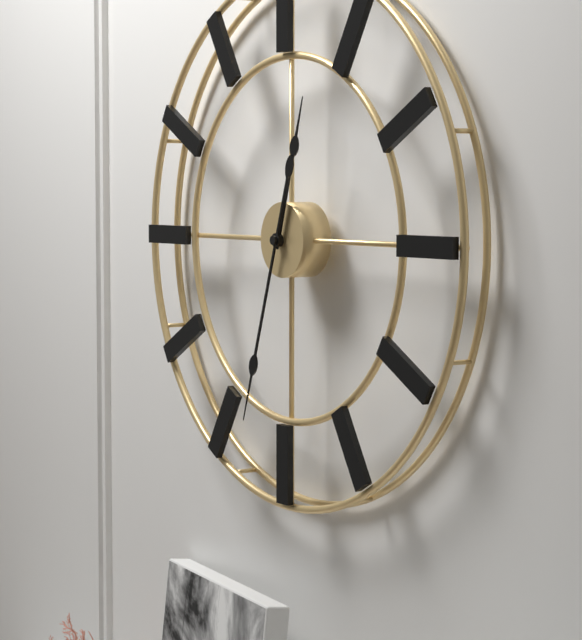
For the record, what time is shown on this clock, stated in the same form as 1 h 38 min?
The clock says 12 h 33 min
